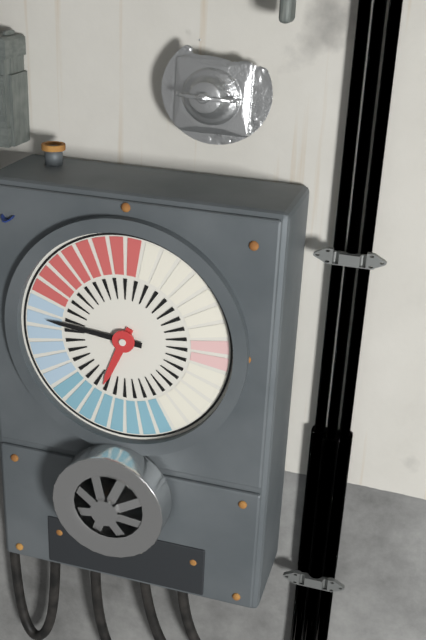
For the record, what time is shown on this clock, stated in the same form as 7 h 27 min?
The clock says 6 h 46 min
